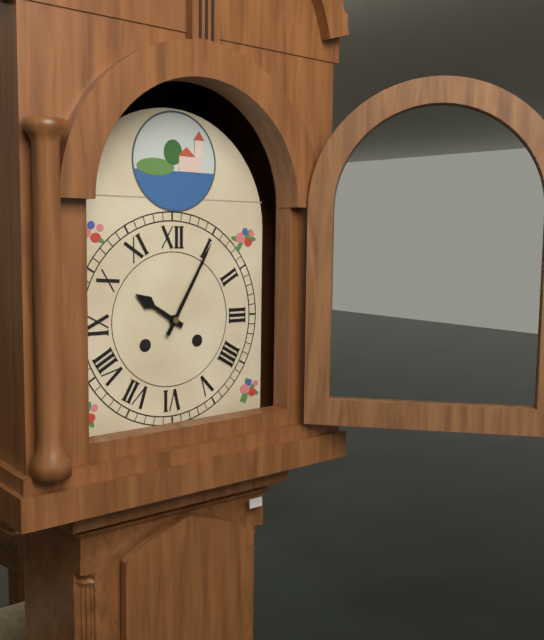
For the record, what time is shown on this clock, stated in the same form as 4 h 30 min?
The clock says 10 h 05 min
